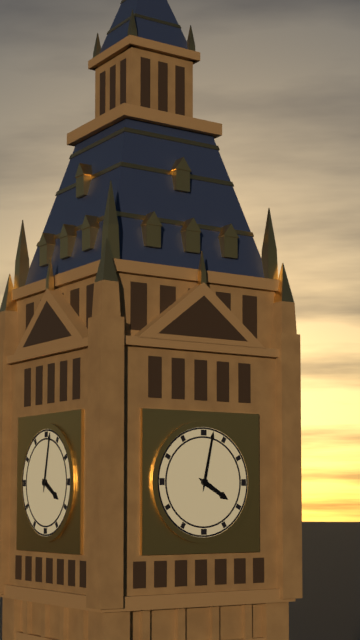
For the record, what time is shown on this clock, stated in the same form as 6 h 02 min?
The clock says 4 h 02 min
